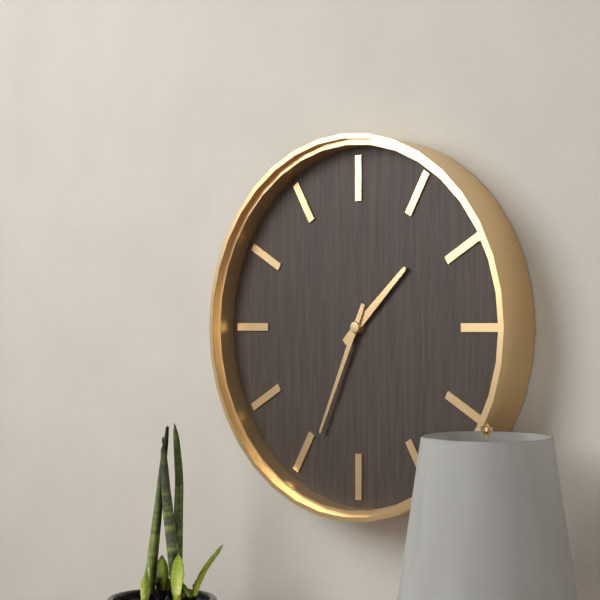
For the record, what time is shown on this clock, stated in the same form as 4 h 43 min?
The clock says 1 h 34 min
